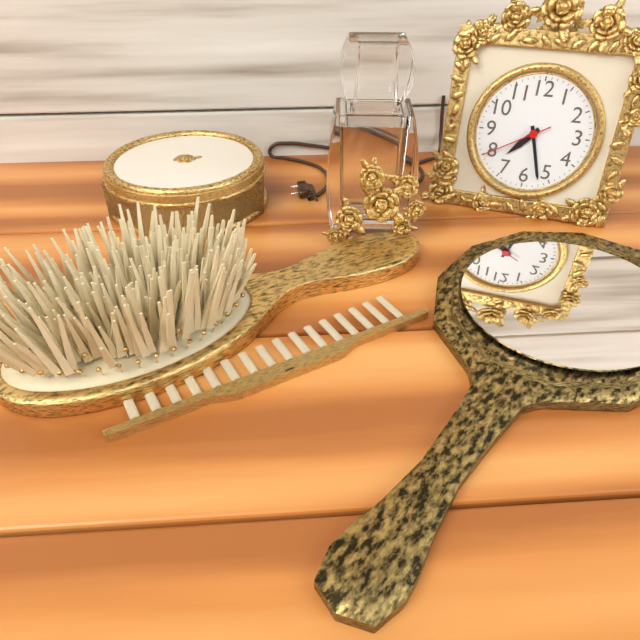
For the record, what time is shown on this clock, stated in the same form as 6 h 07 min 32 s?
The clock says 7 h 27 min 40 s
